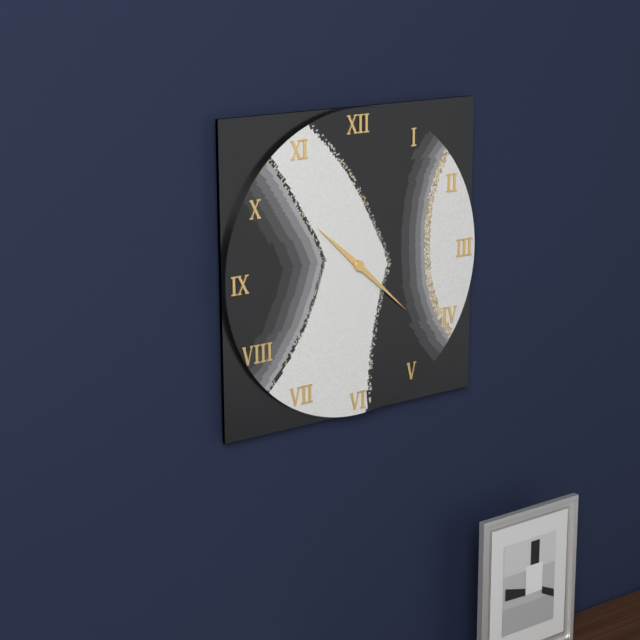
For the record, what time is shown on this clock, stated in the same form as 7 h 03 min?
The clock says 10 h 22 min
